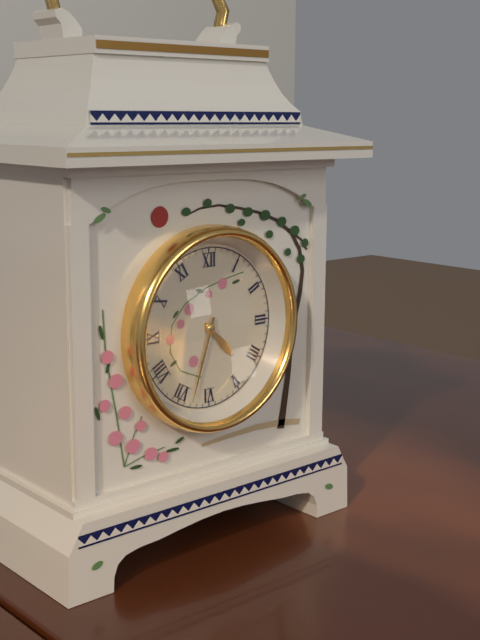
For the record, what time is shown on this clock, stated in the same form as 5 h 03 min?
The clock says 4 h 33 min
